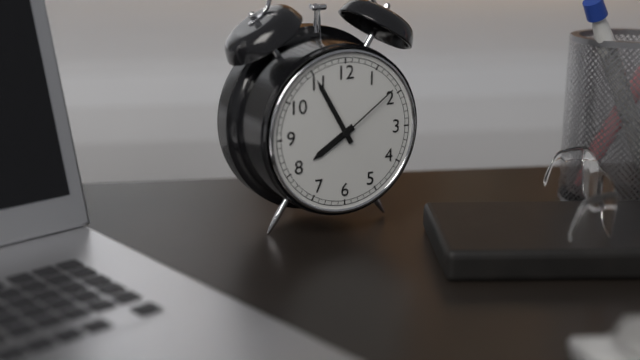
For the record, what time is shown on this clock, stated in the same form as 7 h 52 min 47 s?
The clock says 7 h 55 min 09 s
